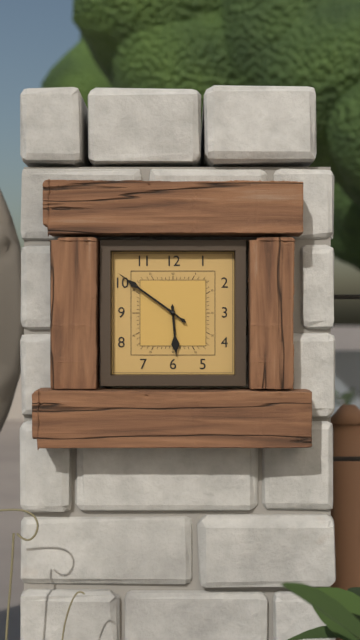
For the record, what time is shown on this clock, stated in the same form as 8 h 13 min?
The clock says 5 h 51 min
